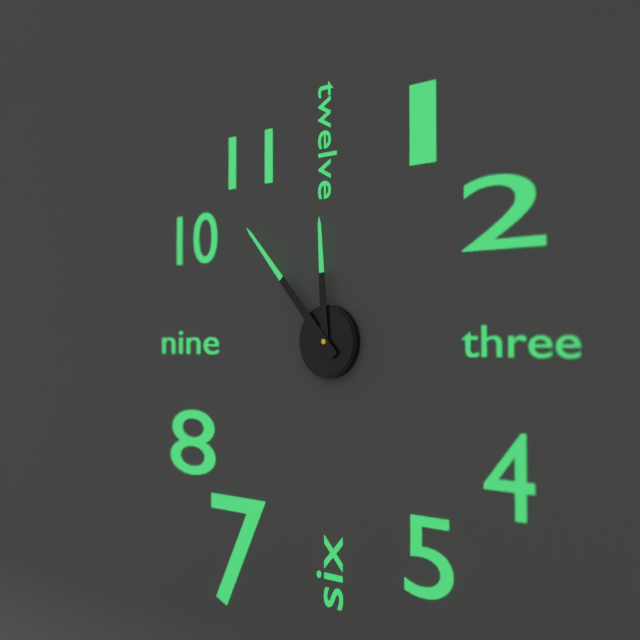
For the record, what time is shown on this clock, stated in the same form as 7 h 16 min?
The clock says 11 h 53 min
